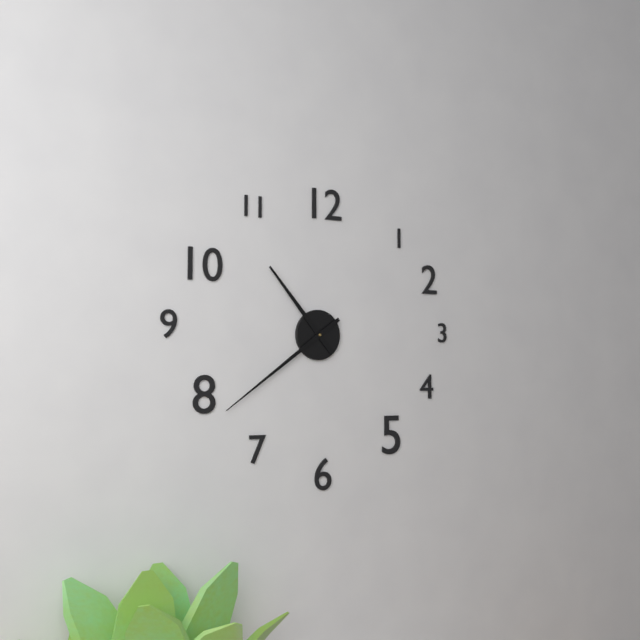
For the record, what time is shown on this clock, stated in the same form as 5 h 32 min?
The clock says 10 h 39 min
